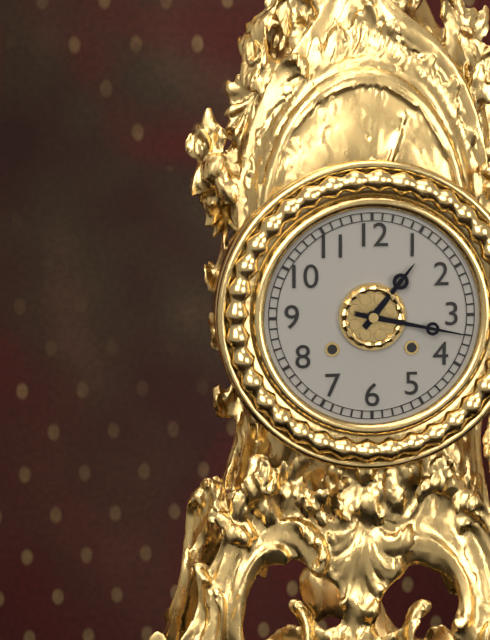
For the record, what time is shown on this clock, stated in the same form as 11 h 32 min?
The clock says 1 h 17 min
